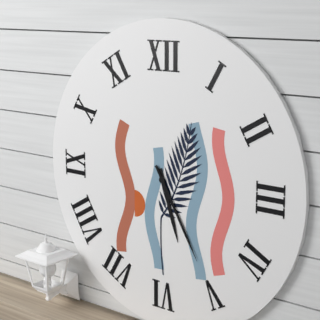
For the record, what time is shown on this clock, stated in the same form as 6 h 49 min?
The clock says 5 h 25 min
